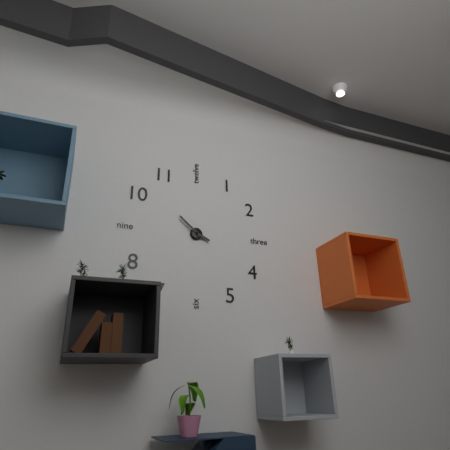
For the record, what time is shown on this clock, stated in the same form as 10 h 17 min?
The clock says 3 h 52 min
